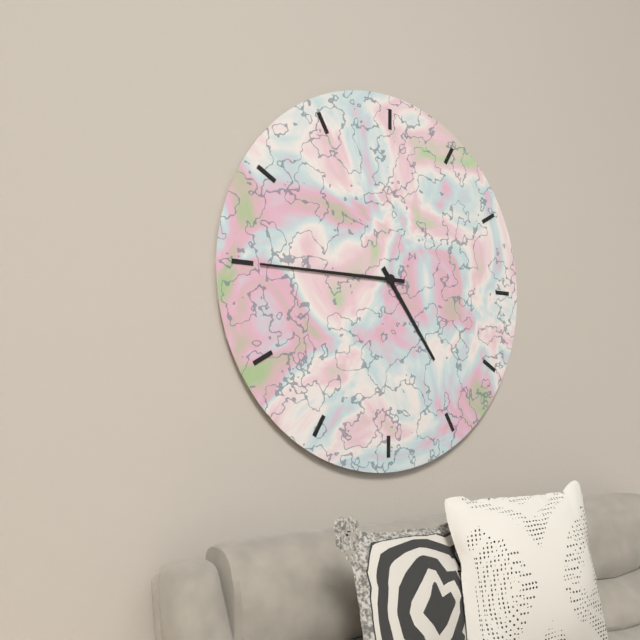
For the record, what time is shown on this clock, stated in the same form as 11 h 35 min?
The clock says 4 h 45 min
